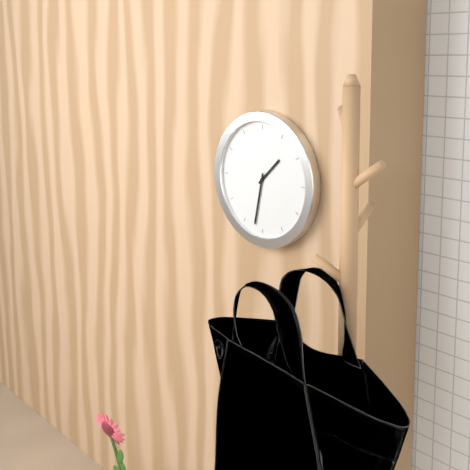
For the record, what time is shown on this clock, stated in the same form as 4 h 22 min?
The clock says 1 h 32 min
